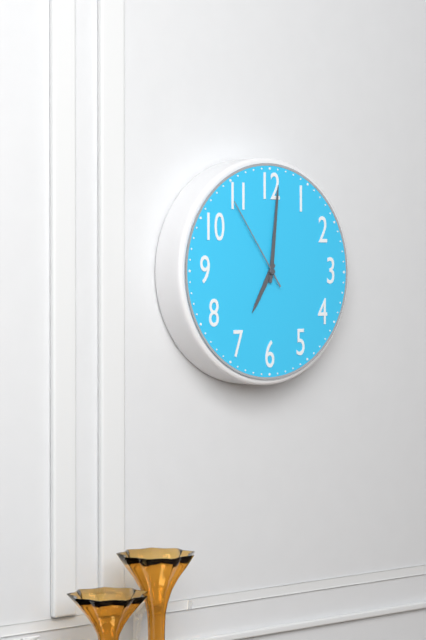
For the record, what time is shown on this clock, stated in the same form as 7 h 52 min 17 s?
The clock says 7 h 01 min 54 s
